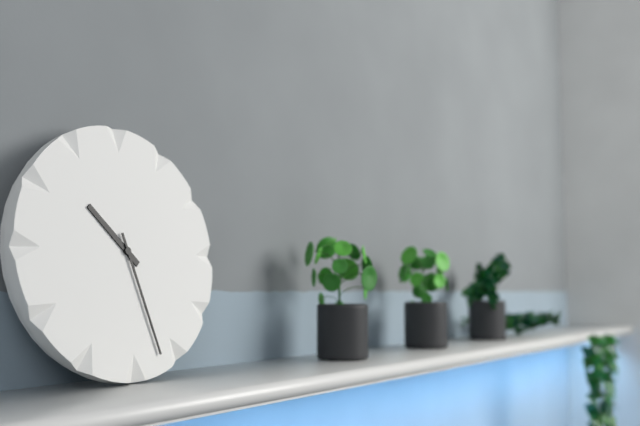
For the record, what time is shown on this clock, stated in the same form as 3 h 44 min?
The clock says 10 h 27 min
